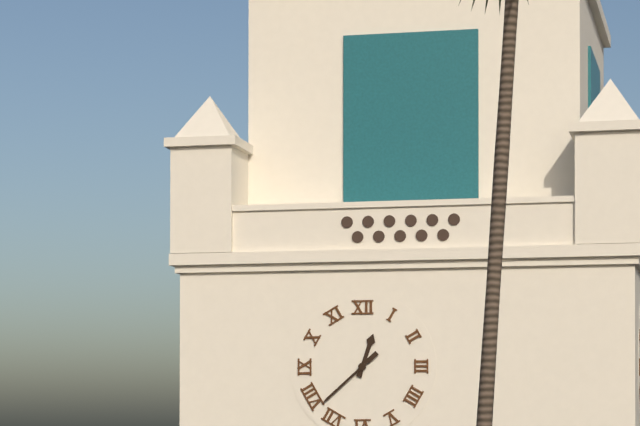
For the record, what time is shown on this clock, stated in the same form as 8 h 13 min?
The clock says 12 h 38 min
